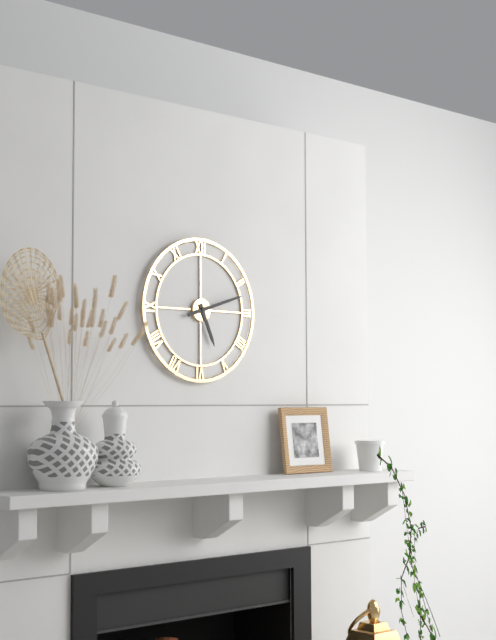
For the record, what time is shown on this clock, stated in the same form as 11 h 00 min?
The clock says 5 h 12 min
